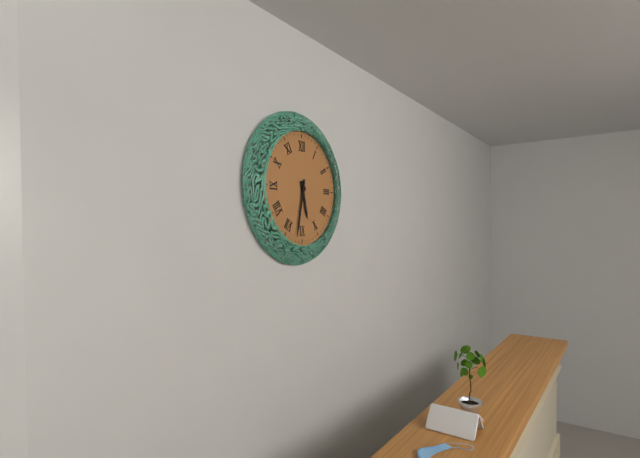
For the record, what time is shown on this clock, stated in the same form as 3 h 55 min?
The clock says 5 h 32 min
